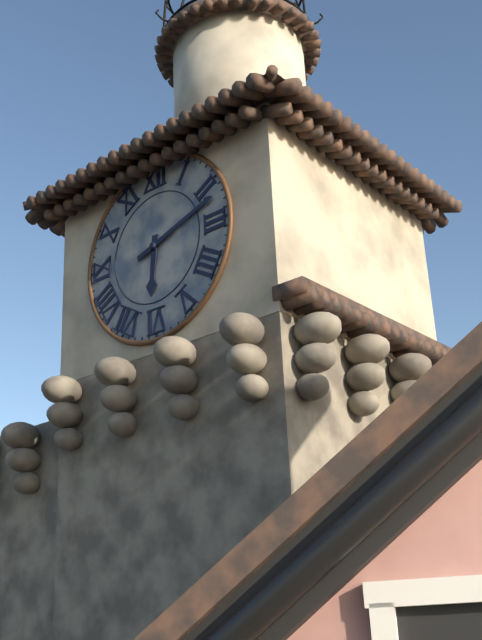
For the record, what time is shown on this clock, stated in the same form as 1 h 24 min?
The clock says 6 h 12 min
